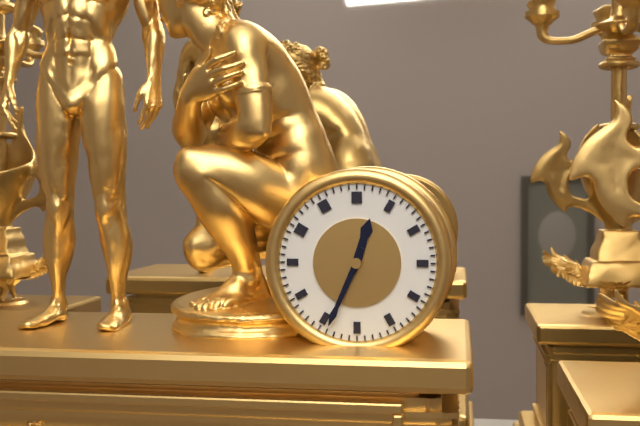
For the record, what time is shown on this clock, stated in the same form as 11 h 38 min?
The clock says 12 h 34 min
